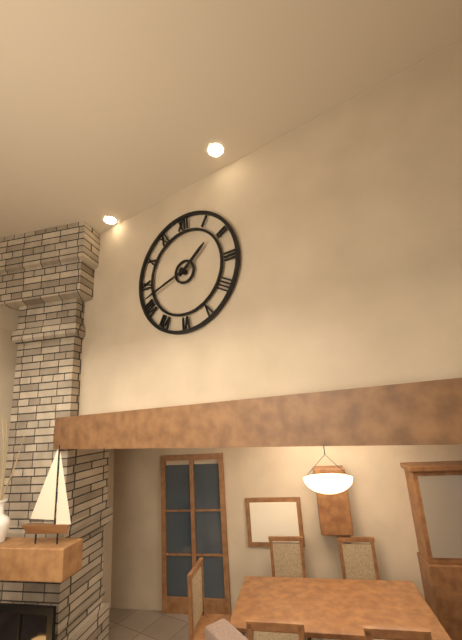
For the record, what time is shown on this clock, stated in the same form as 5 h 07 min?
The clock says 1 h 42 min
